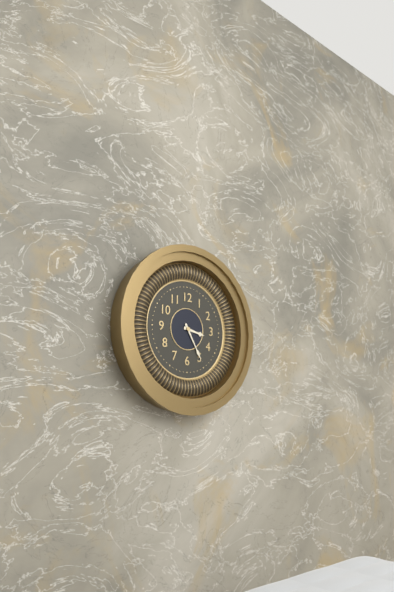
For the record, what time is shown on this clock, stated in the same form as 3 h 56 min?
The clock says 3 h 25 min
